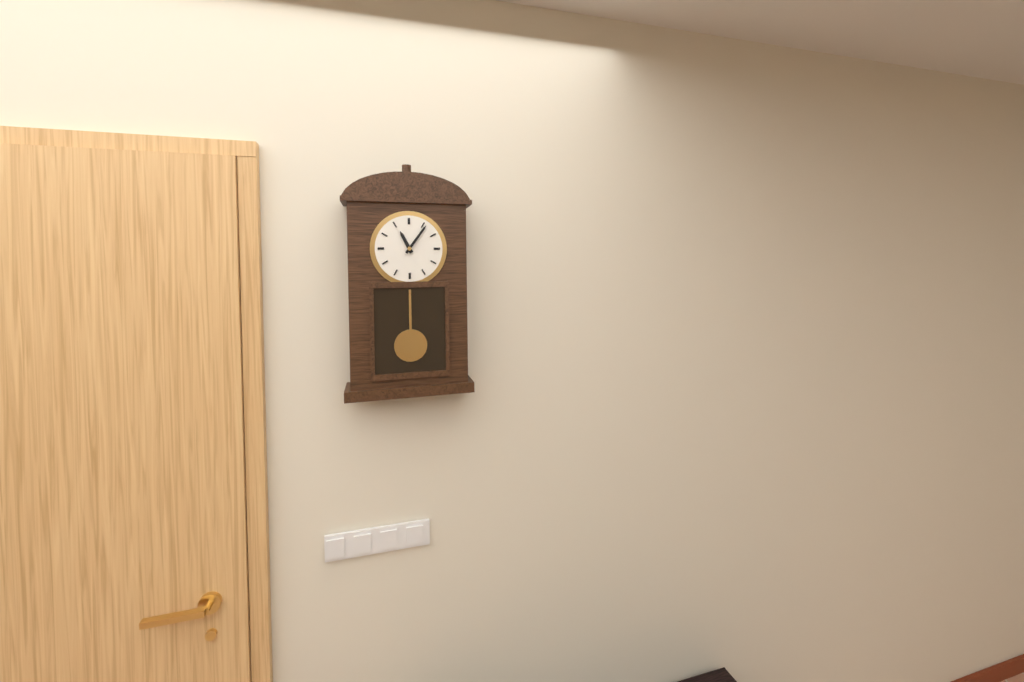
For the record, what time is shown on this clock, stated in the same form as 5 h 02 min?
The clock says 11 h 06 min
